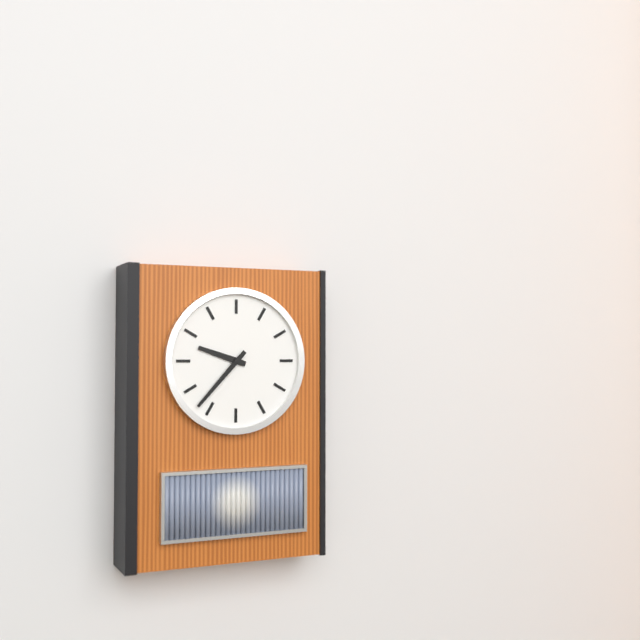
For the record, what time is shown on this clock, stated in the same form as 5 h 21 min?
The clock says 9 h 37 min
